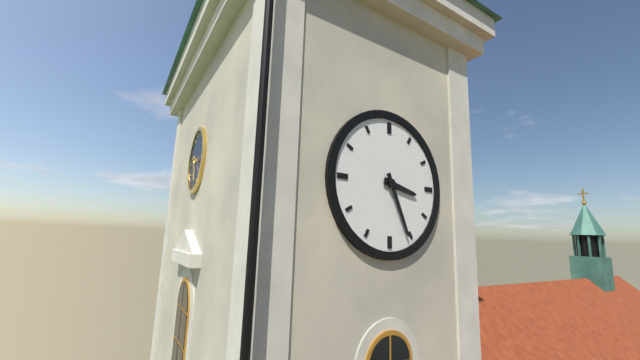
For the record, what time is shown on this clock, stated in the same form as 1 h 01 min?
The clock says 3 h 26 min
